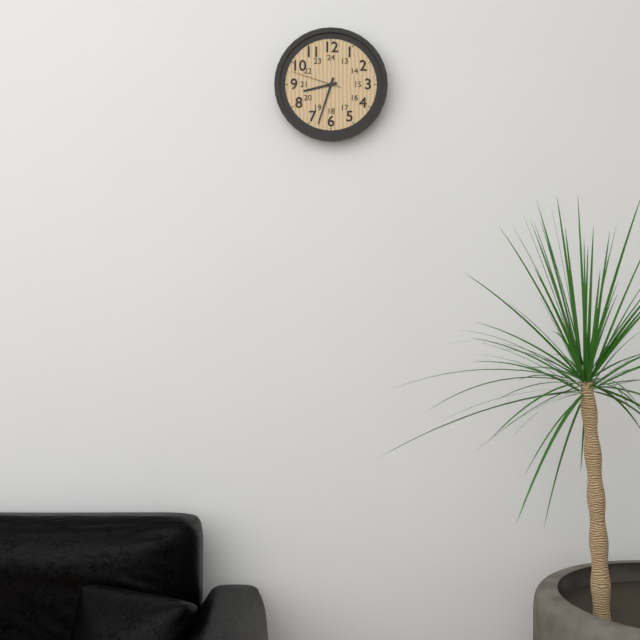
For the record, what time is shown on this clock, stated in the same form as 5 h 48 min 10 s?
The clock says 8 h 33 min 48 s
